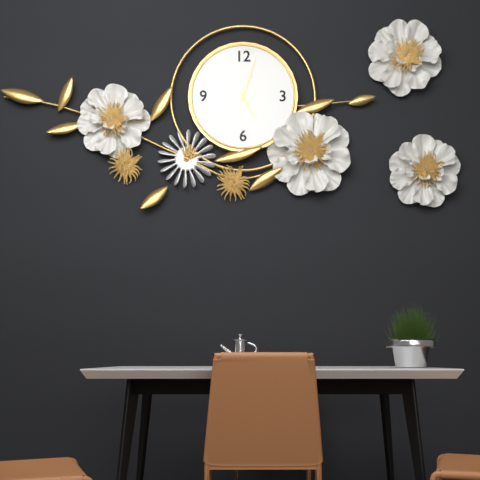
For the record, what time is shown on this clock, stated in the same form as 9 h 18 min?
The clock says 5 h 03 min
